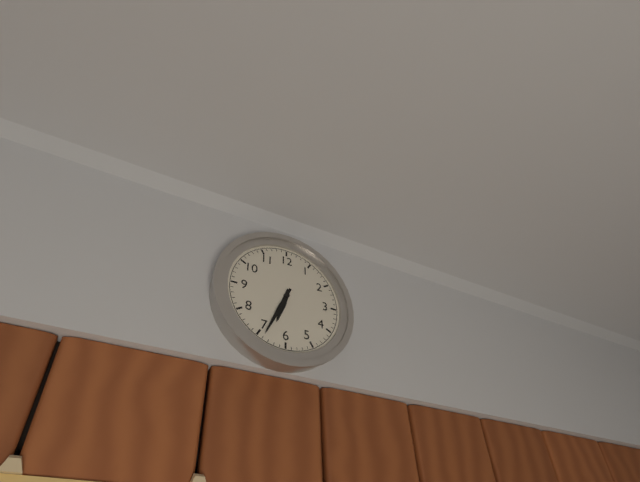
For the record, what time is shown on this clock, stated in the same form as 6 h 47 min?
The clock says 6 h 34 min
